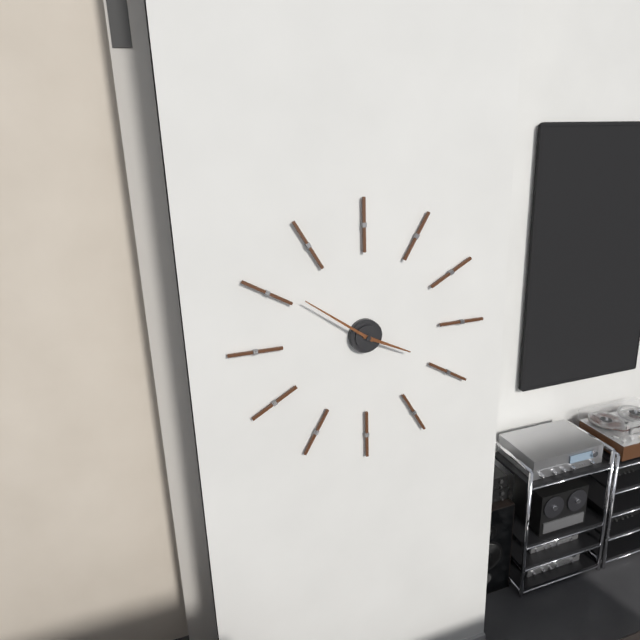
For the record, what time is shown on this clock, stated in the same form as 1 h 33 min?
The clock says 3 h 51 min
